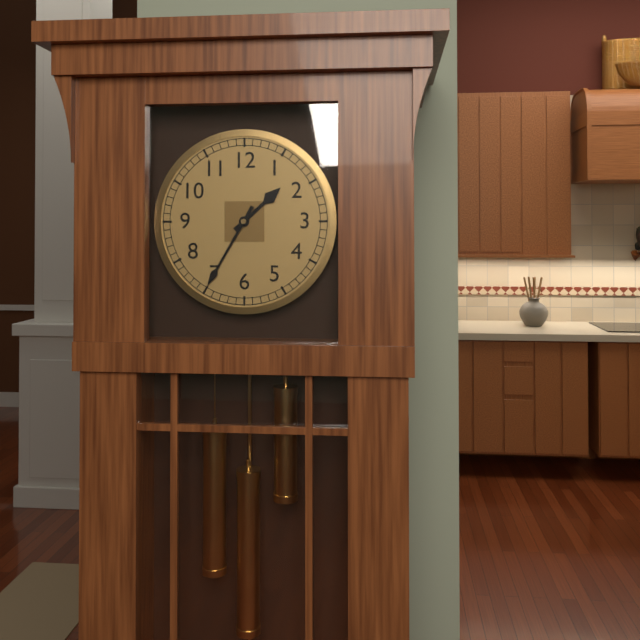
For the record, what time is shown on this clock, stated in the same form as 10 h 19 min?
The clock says 1 h 35 min
